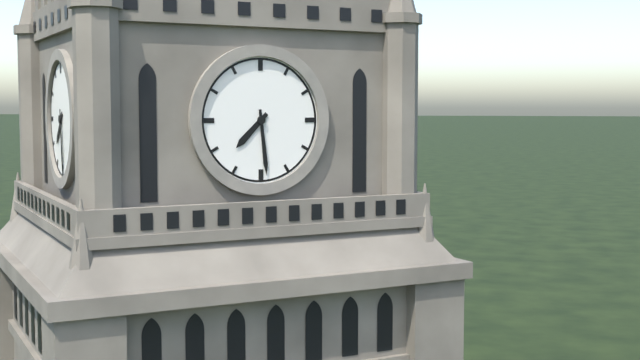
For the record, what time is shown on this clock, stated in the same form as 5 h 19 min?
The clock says 7 h 29 min
